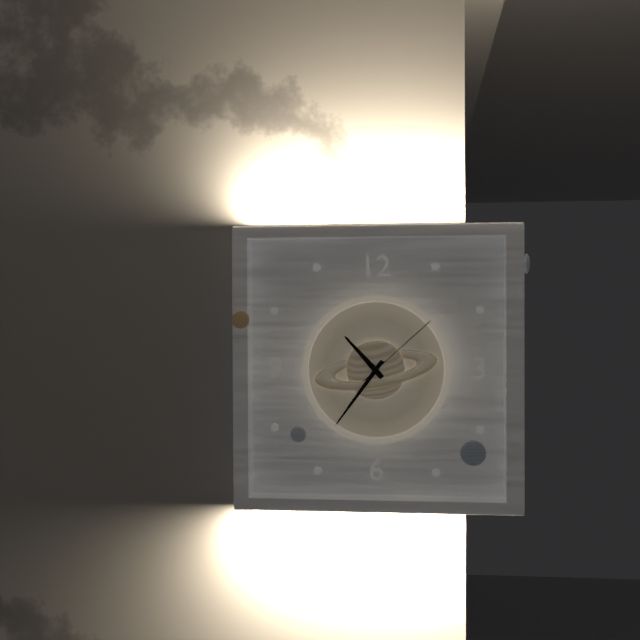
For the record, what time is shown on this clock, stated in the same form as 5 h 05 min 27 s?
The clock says 10 h 36 min 08 s
